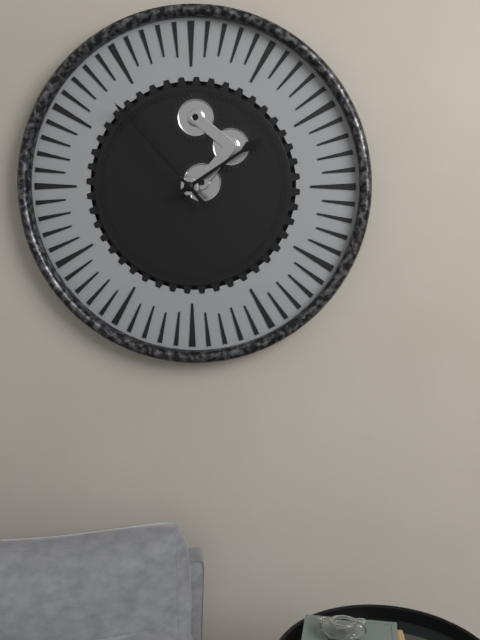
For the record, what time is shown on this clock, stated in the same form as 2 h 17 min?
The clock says 1 h 53 min
